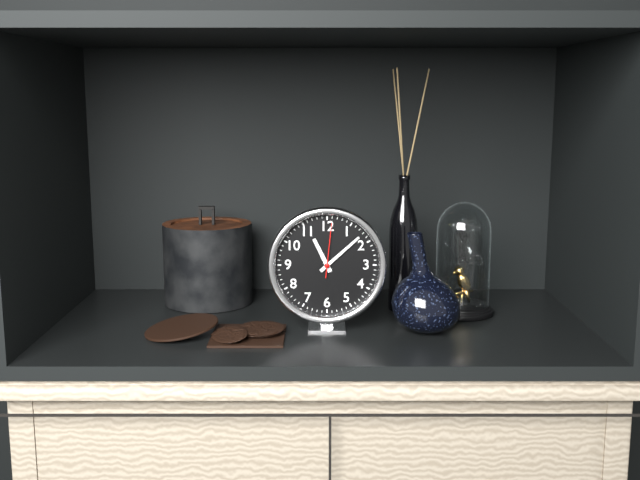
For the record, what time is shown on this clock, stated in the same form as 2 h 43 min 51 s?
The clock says 11 h 08 min 01 s
